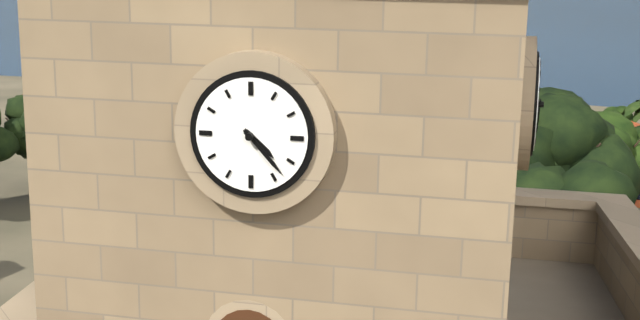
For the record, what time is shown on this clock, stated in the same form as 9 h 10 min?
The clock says 4 h 23 min
